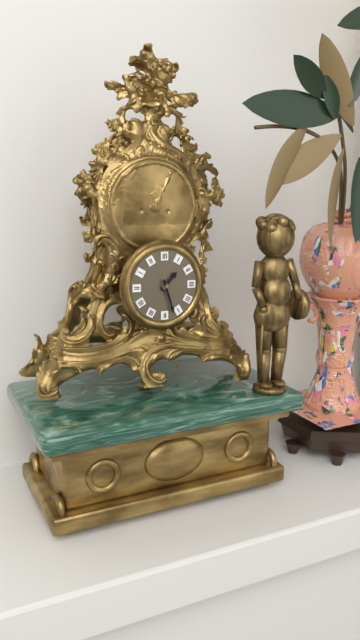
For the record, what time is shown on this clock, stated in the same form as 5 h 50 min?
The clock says 1 h 27 min
